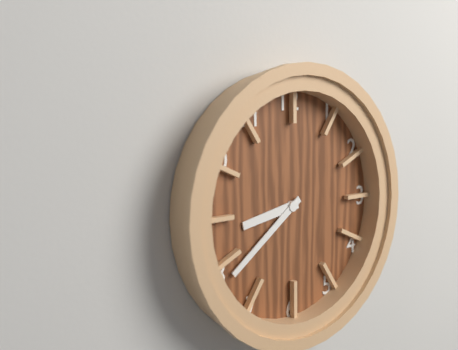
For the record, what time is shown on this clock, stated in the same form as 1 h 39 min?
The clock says 8 h 39 min
